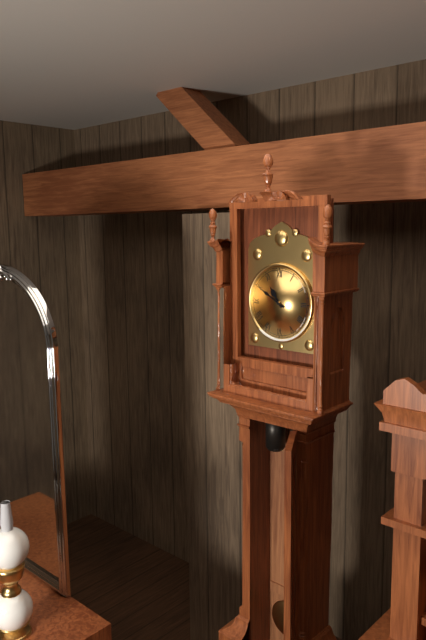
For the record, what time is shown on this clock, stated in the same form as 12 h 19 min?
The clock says 10 h 50 min
